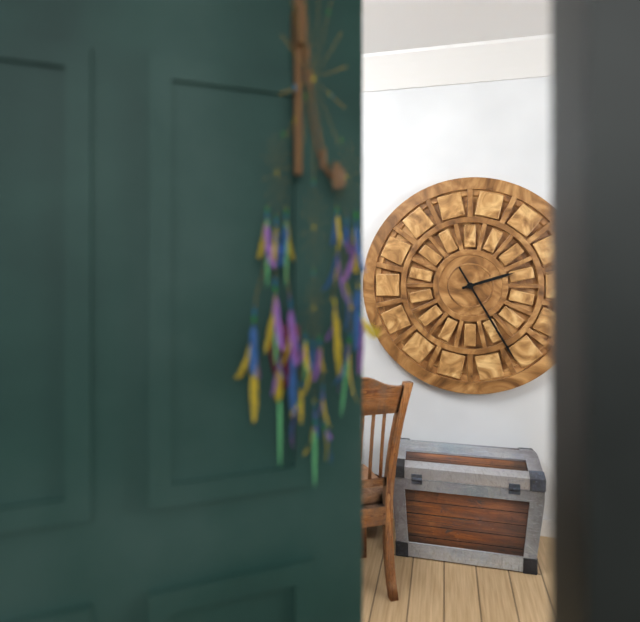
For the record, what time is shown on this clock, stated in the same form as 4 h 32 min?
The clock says 2 h 25 min
